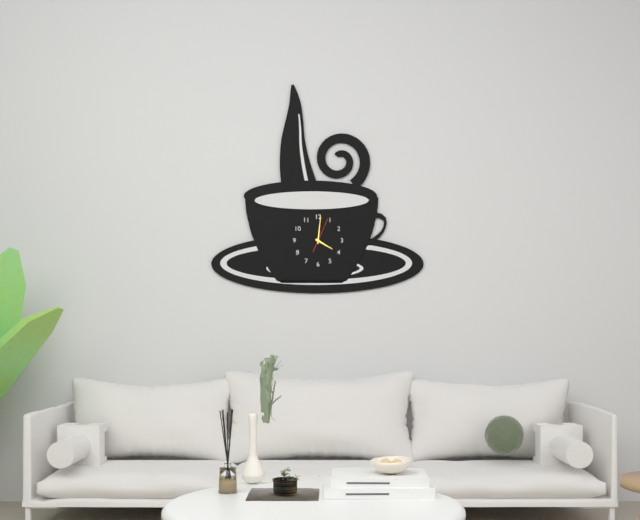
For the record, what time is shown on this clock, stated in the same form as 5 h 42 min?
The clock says 4 h 01 min
